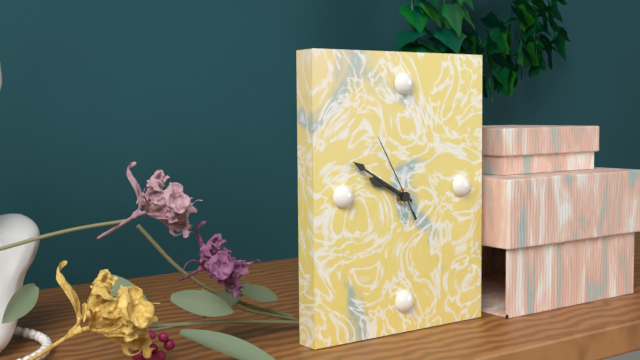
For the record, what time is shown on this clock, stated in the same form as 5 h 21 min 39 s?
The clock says 9 h 50 min 55 s
